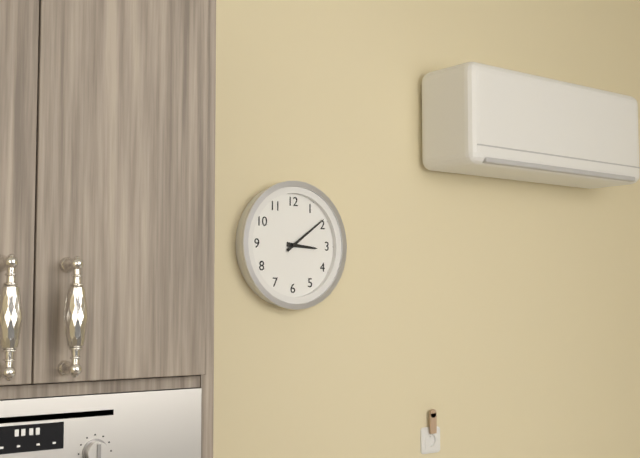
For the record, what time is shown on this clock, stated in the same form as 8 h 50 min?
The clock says 3 h 09 min
